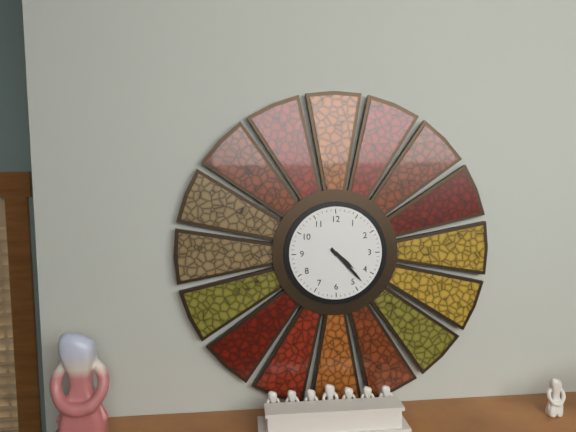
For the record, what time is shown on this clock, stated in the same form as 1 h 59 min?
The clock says 4 h 23 min
